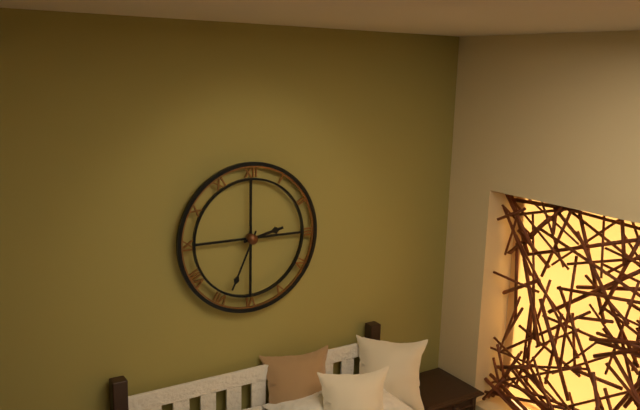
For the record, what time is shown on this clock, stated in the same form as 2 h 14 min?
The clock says 2 h 34 min
